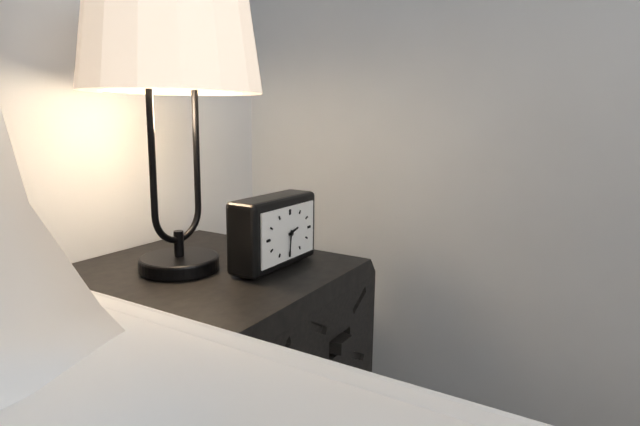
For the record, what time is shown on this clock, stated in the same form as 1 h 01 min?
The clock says 2 h 31 min
